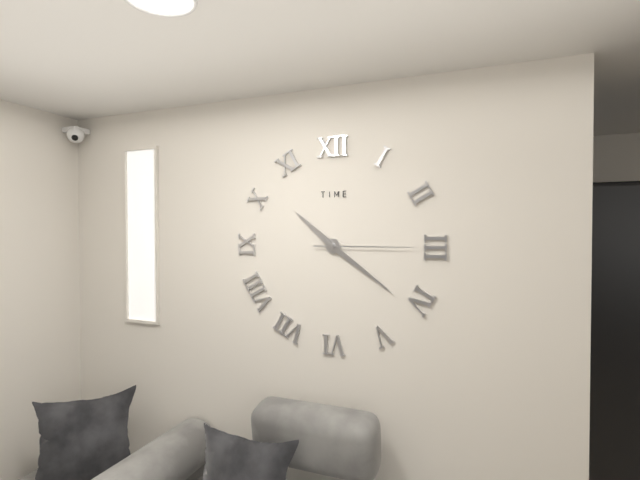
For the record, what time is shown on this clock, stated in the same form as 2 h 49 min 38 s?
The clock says 10 h 21 min 15 s
